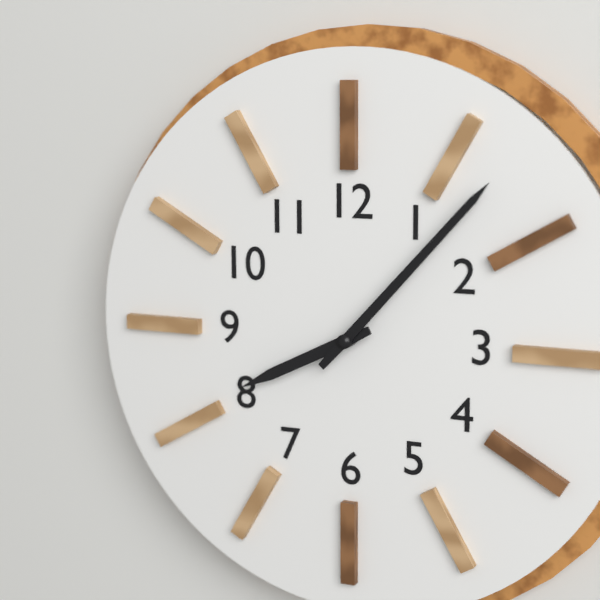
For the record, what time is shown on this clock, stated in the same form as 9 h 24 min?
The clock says 8 h 07 min
